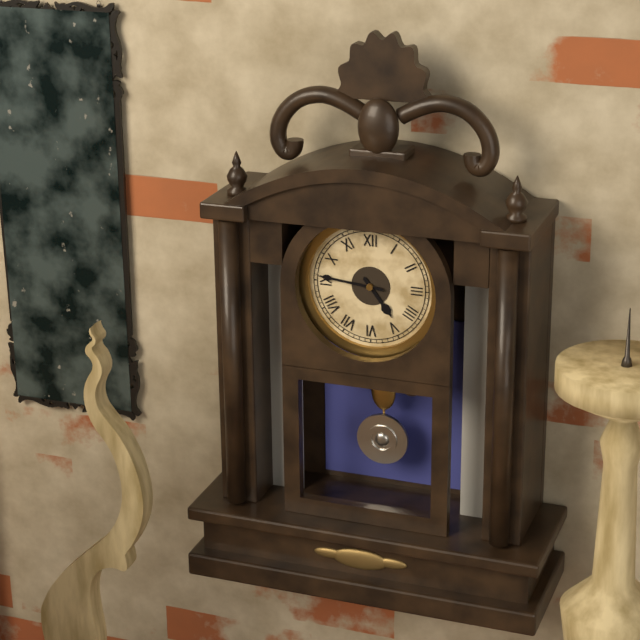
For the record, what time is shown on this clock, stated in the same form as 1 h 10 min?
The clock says 4 h 46 min
